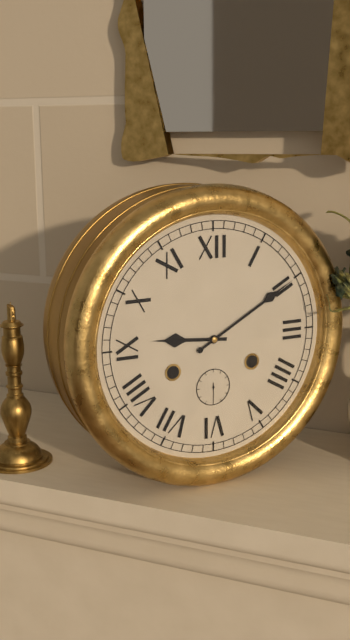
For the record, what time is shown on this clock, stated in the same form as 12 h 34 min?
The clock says 9 h 10 min
